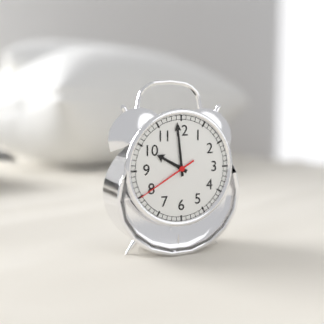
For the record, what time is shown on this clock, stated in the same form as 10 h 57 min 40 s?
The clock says 9 h 59 min 40 s
